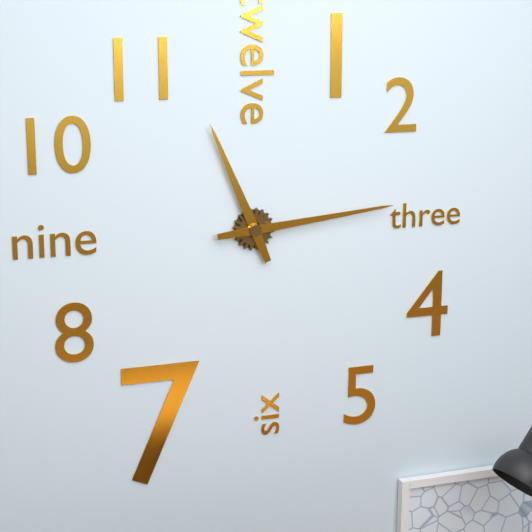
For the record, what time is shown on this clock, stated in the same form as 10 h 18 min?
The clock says 11 h 14 min
